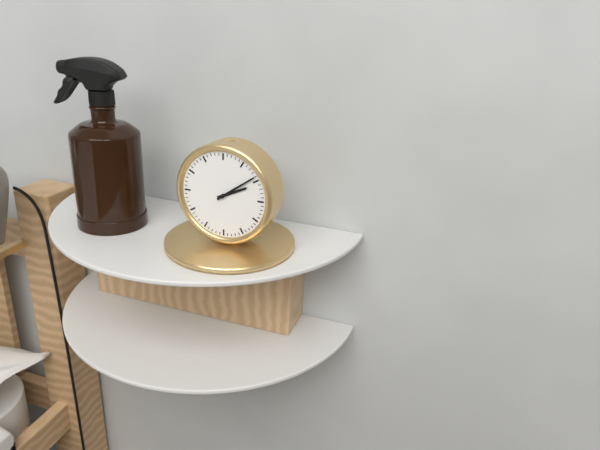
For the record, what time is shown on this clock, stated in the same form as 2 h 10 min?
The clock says 2 h 09 min
